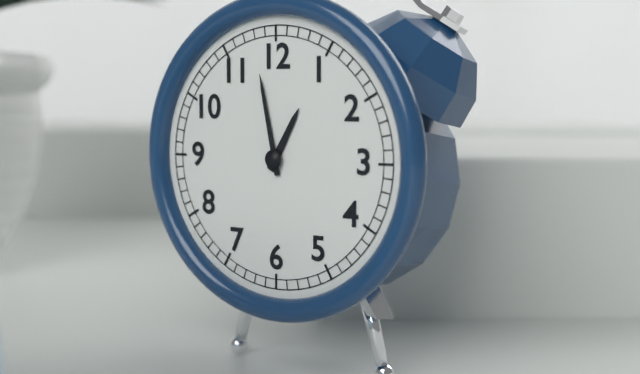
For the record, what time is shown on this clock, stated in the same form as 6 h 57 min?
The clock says 12 h 58 min
